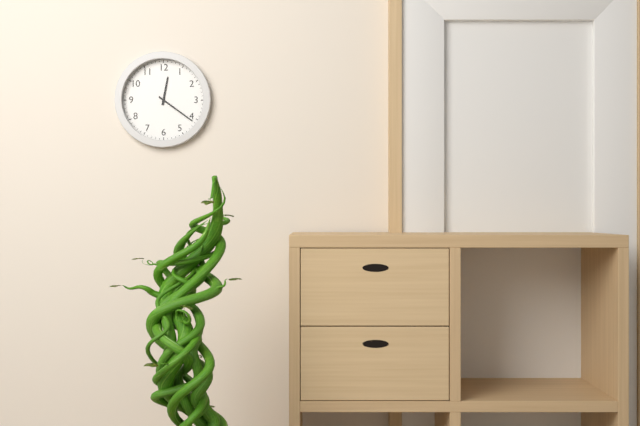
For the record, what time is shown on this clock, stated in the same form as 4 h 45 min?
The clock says 12 h 21 min
